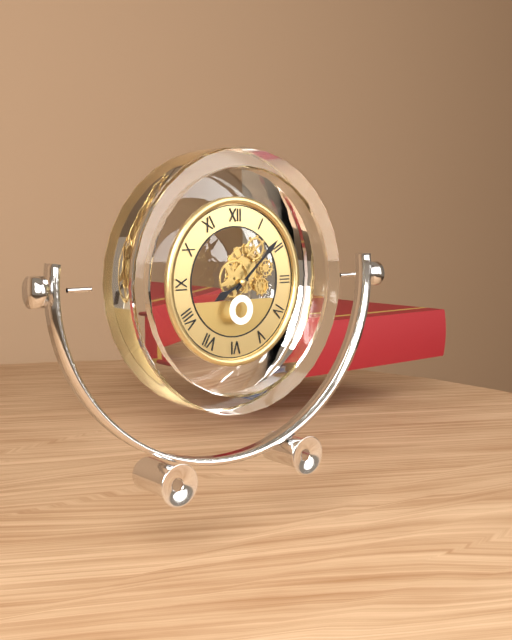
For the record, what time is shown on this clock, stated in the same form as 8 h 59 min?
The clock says 8 h 08 min
